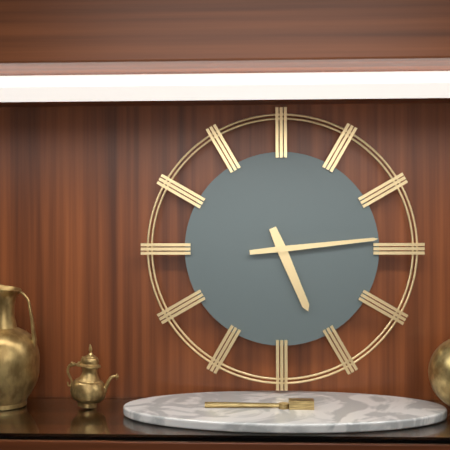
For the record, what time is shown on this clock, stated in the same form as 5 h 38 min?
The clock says 5 h 14 min
